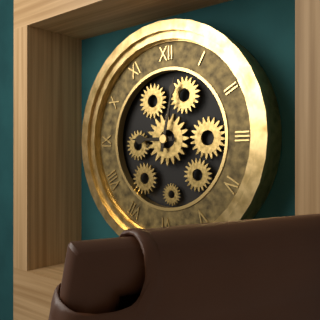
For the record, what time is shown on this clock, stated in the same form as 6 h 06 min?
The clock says 9 h 02 min
